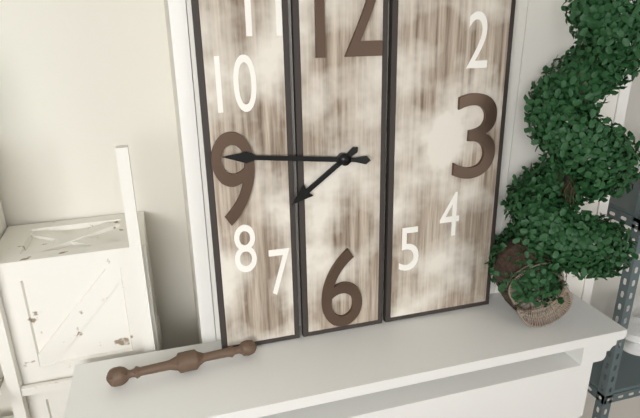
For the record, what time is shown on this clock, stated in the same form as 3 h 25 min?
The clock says 7 h 46 min
